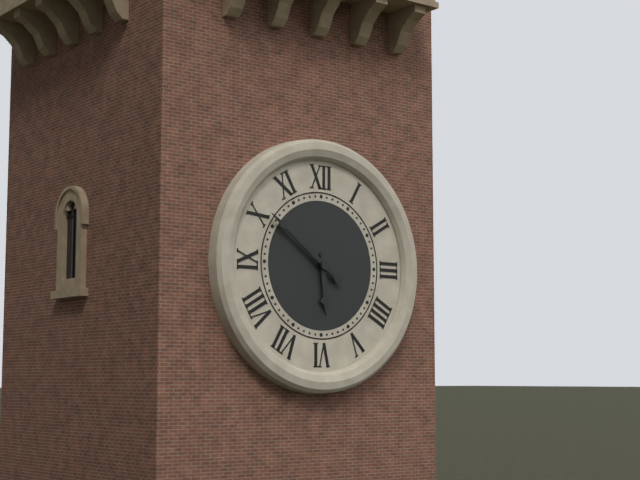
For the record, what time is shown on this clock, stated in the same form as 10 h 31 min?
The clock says 5 h 51 min
